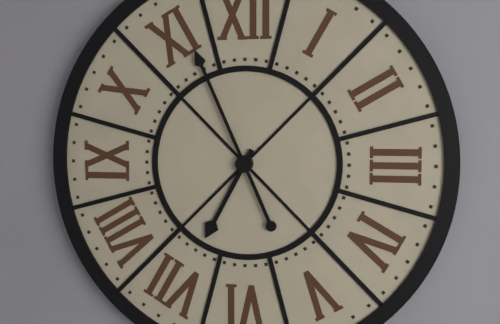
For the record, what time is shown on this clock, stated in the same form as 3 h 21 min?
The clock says 6 h 56 min
